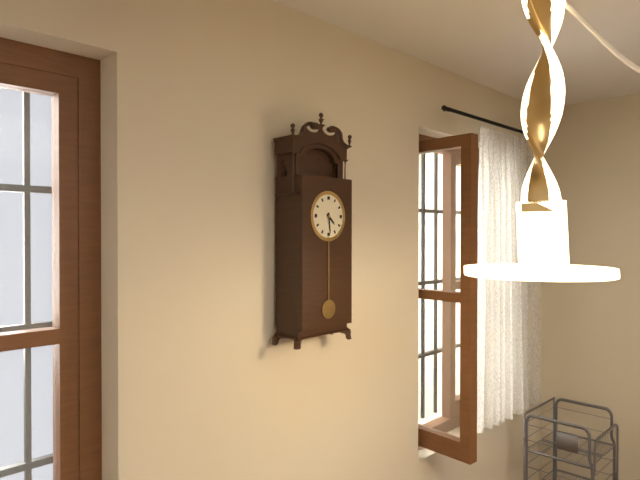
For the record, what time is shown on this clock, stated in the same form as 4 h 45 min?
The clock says 4 h 29 min
